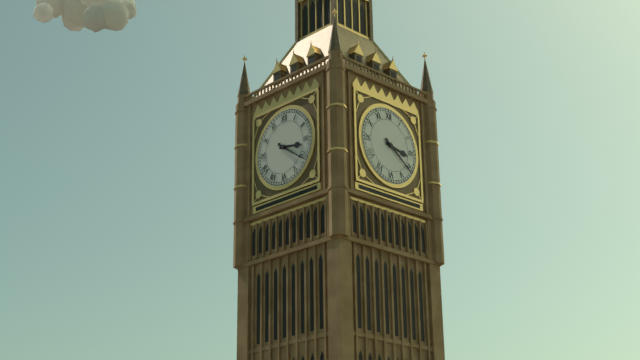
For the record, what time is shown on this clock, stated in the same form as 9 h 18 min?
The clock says 3 h 21 min
